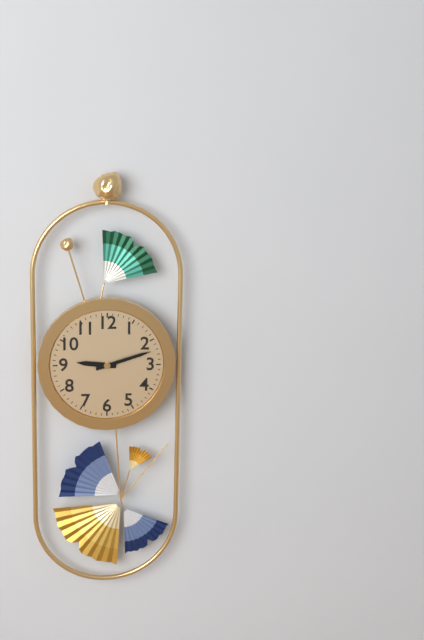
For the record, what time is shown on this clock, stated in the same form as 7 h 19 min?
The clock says 9 h 12 min
